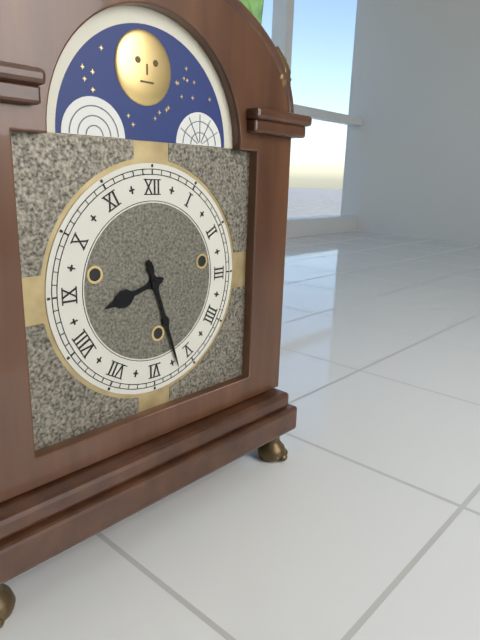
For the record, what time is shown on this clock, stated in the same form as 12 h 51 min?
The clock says 8 h 27 min
